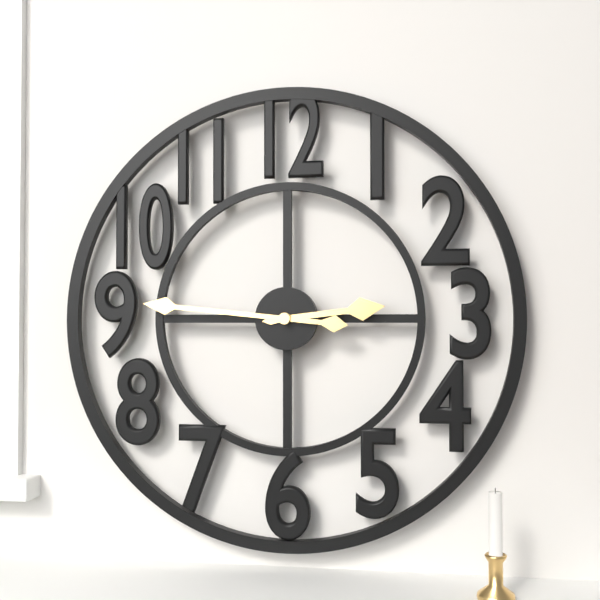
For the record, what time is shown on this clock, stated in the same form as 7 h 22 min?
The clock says 2 h 46 min
